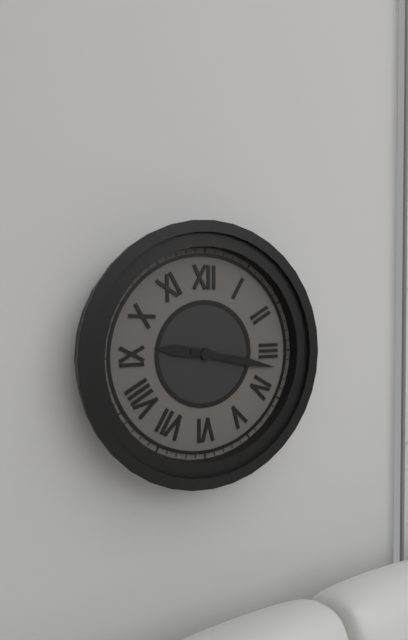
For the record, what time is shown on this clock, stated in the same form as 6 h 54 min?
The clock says 9 h 17 min
